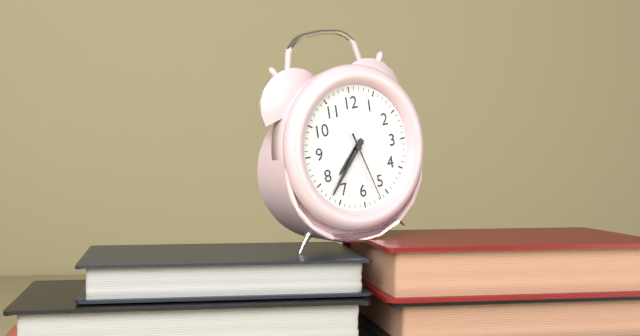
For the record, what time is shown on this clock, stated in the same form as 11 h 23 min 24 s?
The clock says 7 h 37 min 27 s
